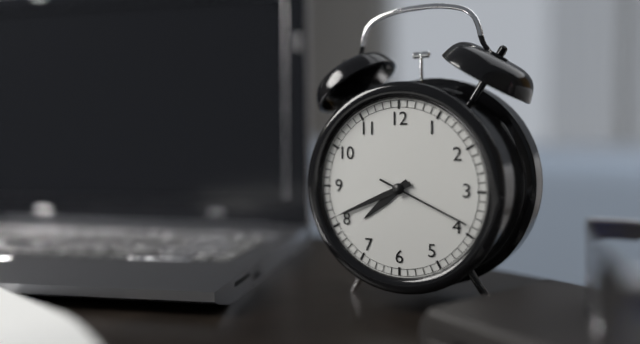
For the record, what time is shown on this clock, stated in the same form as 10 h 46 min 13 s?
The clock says 7 h 41 min 19 s
